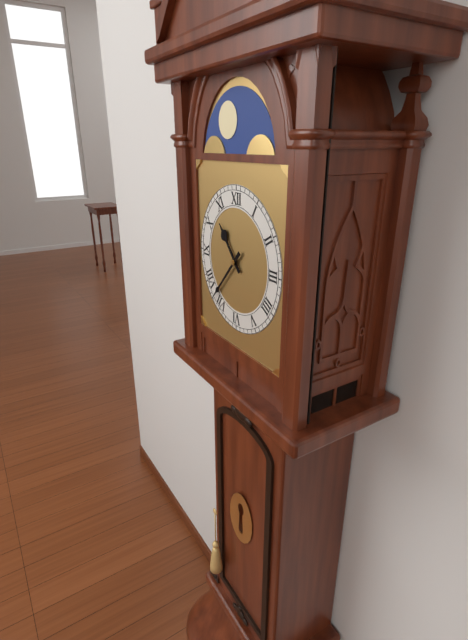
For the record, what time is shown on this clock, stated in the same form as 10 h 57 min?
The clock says 10 h 37 min
